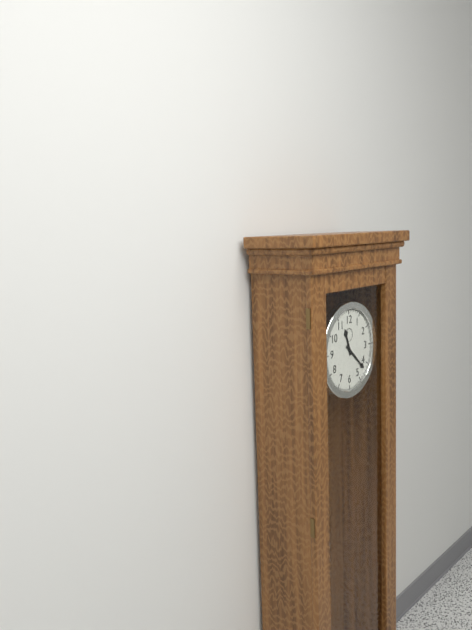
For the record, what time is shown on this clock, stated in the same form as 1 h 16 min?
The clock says 11 h 22 min
